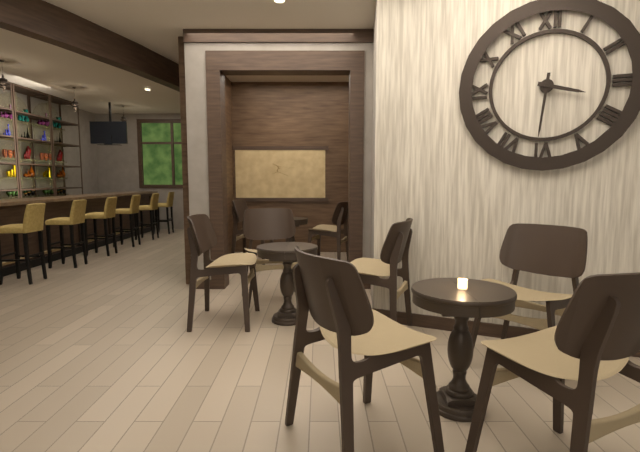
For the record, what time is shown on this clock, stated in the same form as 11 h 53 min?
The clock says 3 h 31 min
